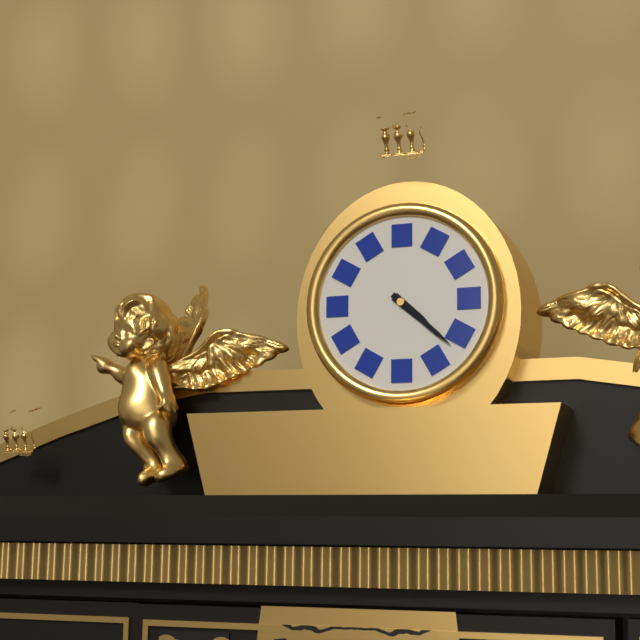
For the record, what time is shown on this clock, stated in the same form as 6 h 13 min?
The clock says 4 h 22 min
